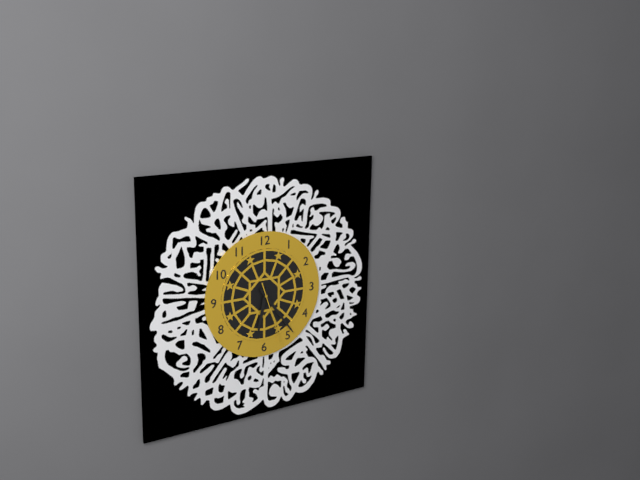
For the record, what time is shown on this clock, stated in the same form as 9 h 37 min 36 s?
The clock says 6 h 24 min 27 s
